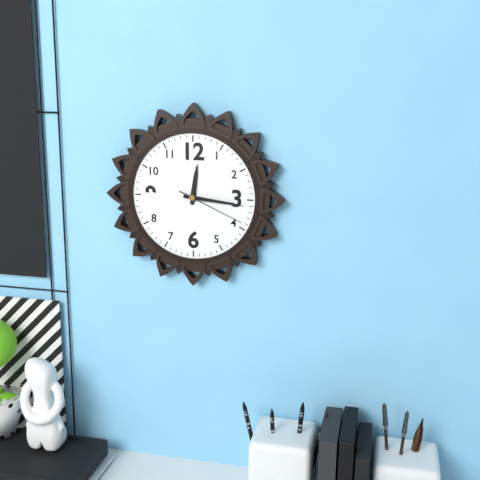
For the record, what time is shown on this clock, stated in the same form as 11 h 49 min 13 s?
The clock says 12 h 16 min 19 s
